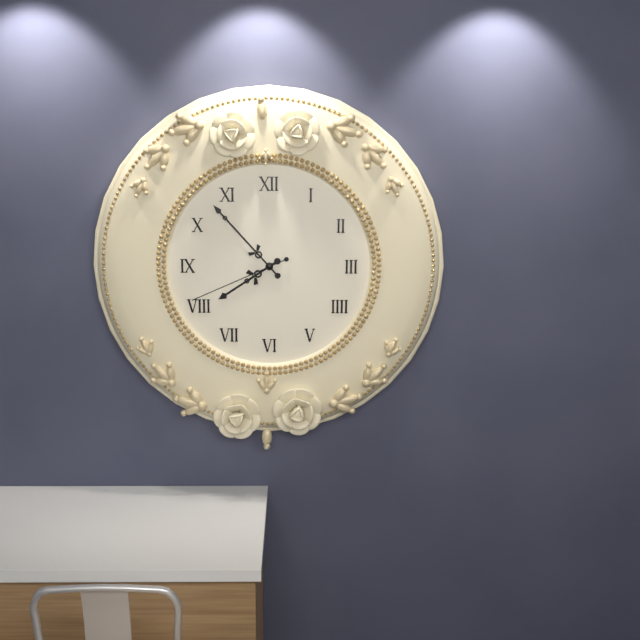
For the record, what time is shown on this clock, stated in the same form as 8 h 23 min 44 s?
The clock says 7 h 53 min 41 s
